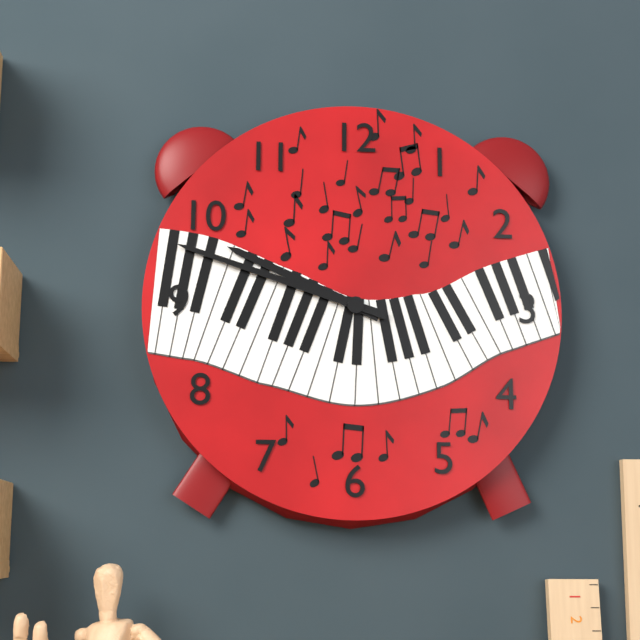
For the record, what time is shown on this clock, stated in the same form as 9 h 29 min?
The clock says 9 h 48 min
